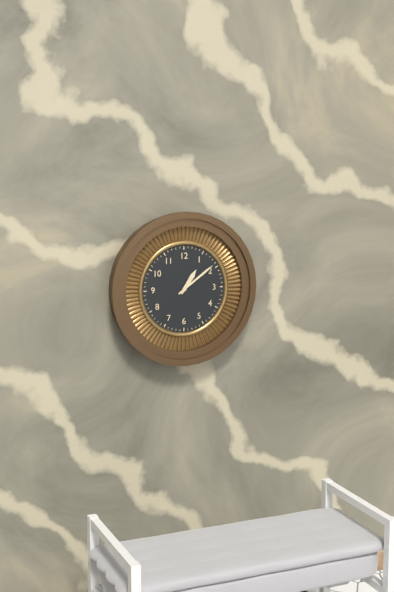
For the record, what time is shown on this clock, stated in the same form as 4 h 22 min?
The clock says 1 h 09 min
